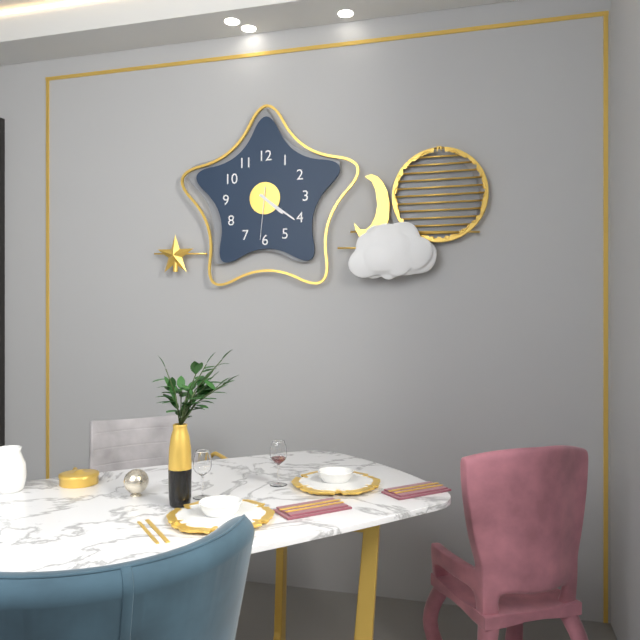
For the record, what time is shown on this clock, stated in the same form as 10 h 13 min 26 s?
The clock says 4 h 21 min 31 s
